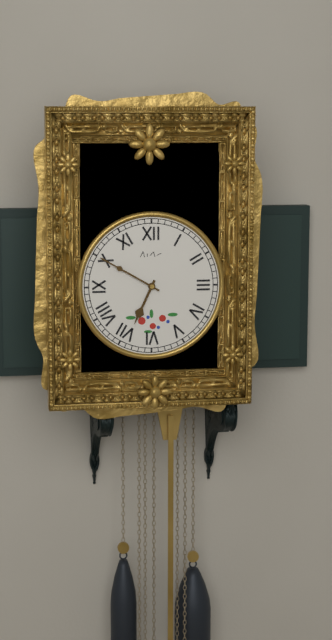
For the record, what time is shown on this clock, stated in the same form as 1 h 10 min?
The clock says 6 h 50 min
